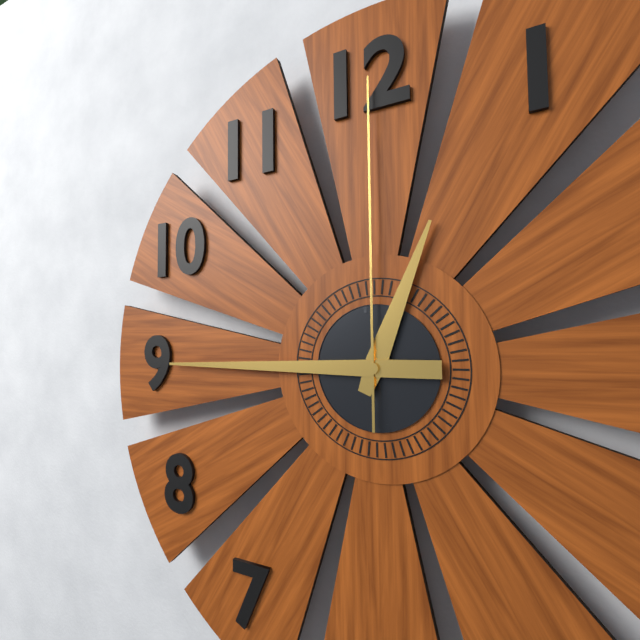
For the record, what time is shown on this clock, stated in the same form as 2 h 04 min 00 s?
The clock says 12 h 45 min 00 s
